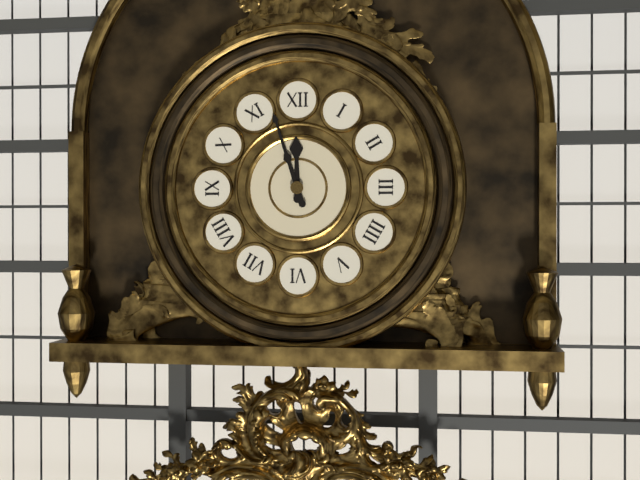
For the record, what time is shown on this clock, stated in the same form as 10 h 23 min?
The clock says 11 h 57 min
